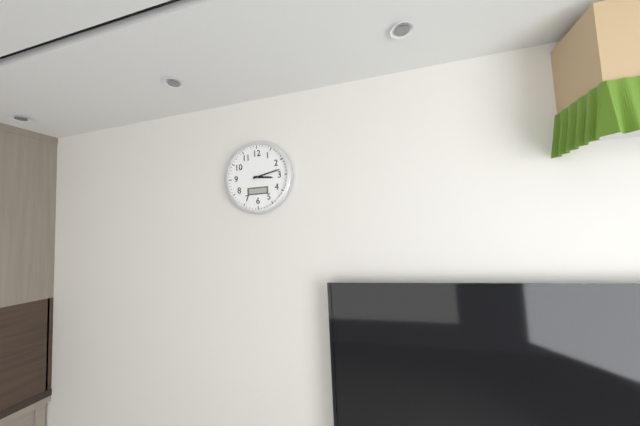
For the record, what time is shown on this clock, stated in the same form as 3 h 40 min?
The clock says 3 h 13 min
